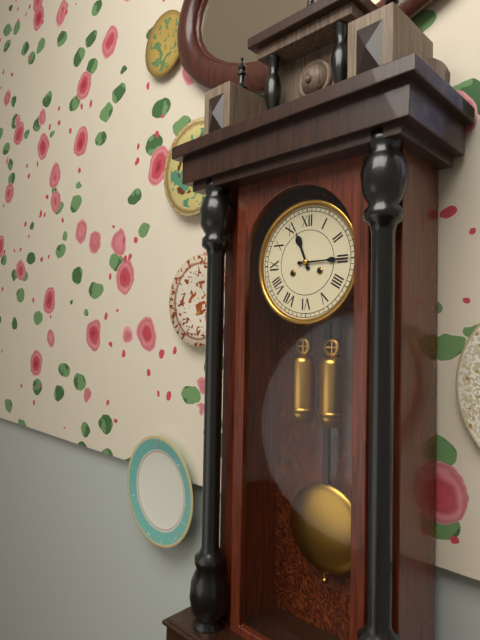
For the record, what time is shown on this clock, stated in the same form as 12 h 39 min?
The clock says 11 h 15 min
